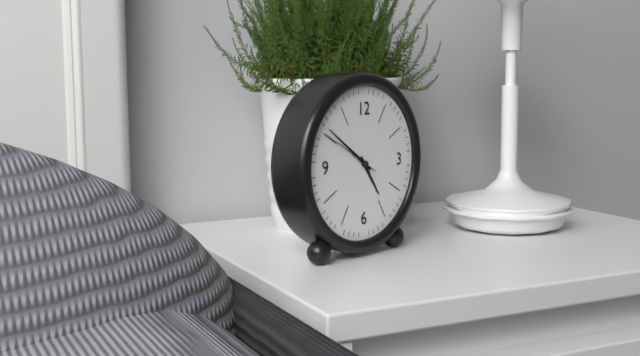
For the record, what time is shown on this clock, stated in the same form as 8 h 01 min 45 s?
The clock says 4 h 51 min 50 s
